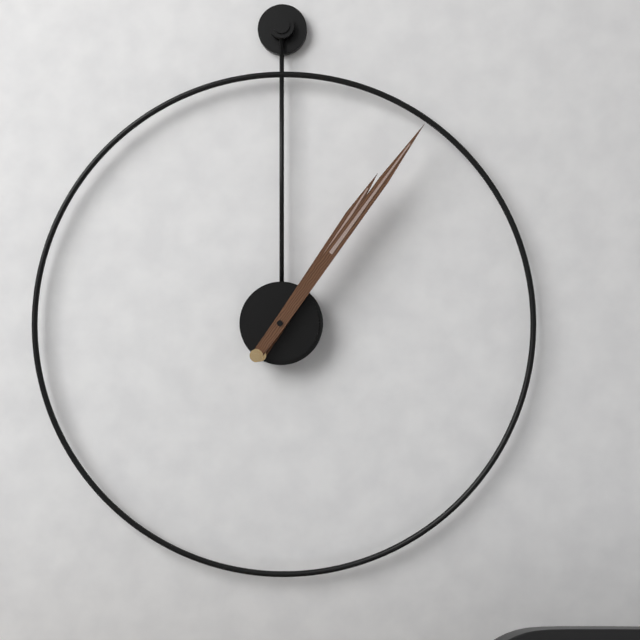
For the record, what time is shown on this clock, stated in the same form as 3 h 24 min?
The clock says 1 h 06 min
